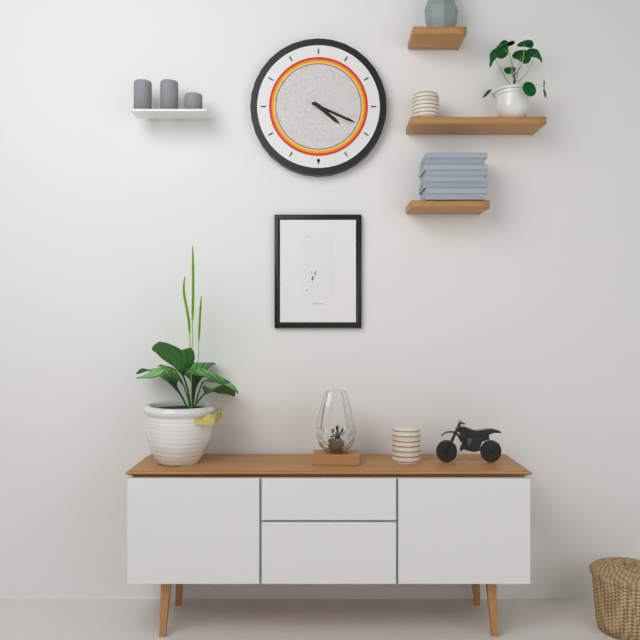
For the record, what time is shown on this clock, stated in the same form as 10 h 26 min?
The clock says 4 h 19 min
